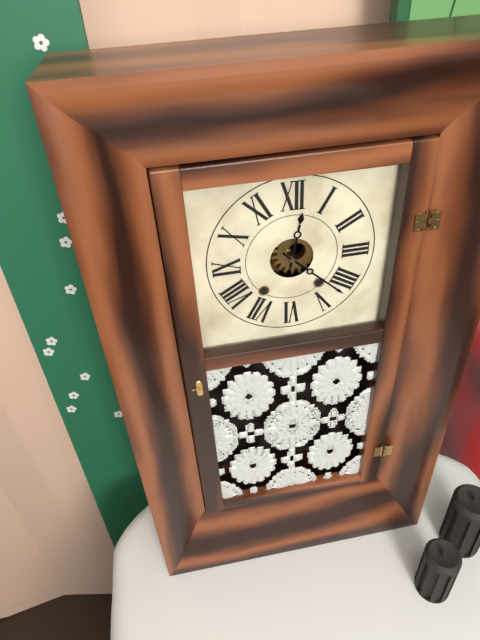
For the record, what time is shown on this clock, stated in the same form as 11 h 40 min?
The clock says 12 h 22 min
